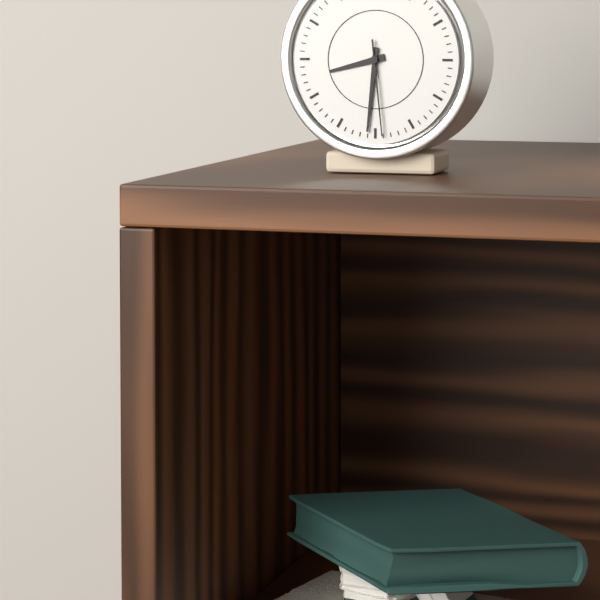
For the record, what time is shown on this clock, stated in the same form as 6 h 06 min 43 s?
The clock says 8 h 31 min 29 s
